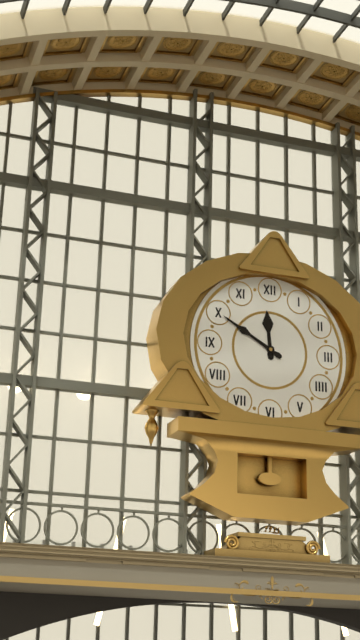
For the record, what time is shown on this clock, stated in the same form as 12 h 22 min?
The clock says 11 h 50 min
